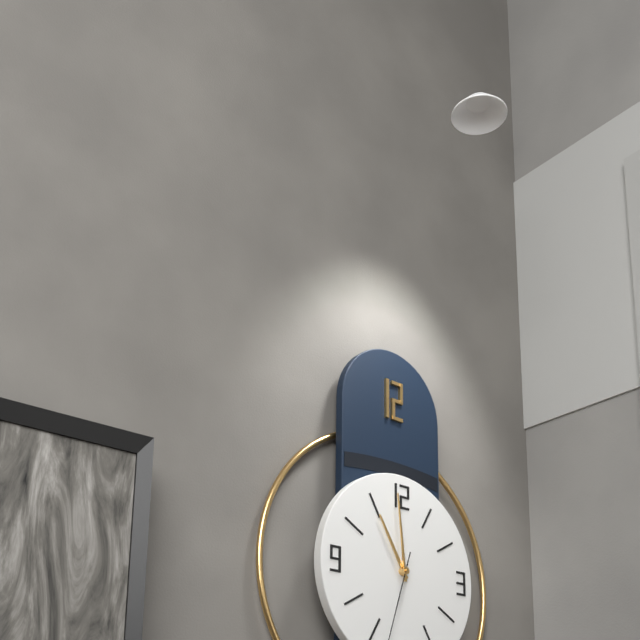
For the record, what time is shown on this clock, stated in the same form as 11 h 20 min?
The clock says 10 h 59 min
